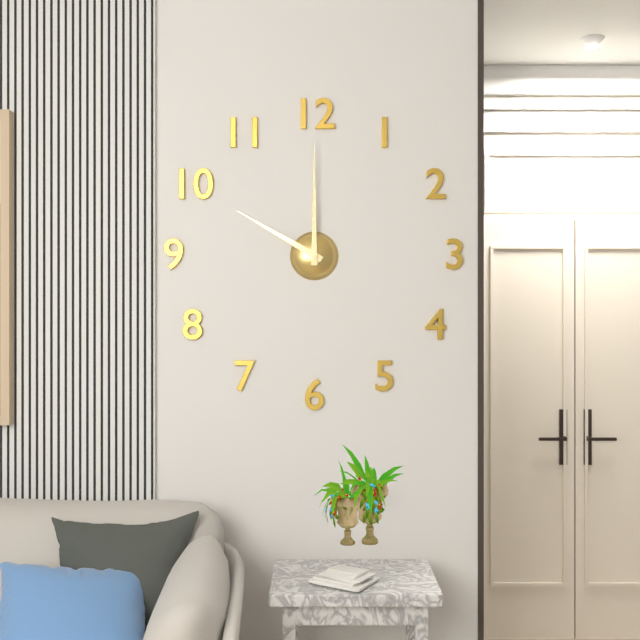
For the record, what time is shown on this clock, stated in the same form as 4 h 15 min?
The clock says 10 h 00 min
